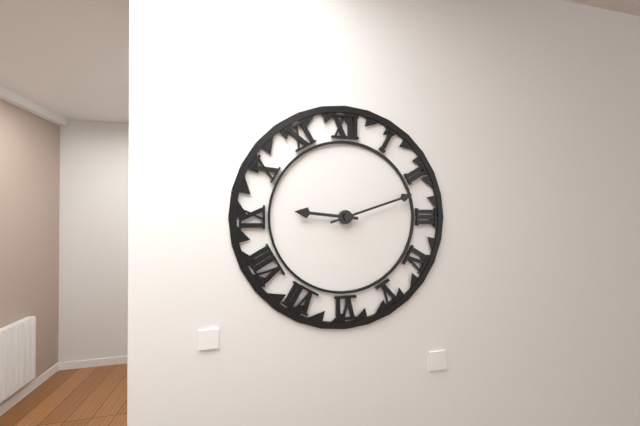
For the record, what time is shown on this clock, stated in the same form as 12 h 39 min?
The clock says 9 h 12 min
